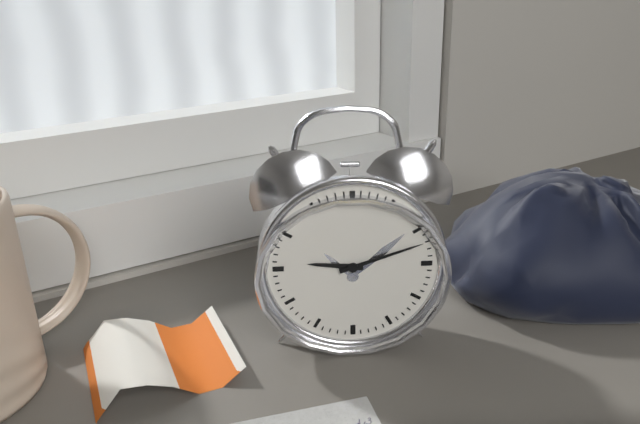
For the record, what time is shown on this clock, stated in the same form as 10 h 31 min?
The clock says 9 h 12 min
